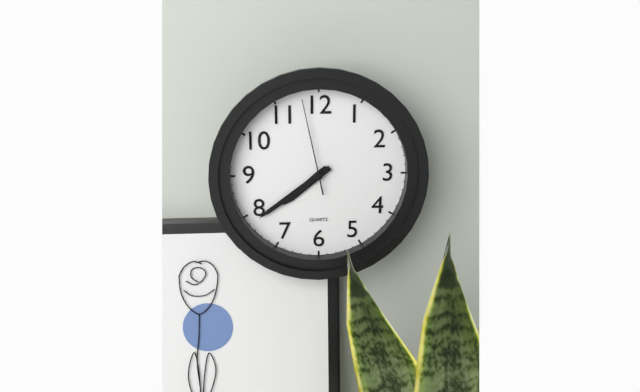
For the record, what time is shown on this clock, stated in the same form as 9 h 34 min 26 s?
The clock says 7 h 39 min 58 s
